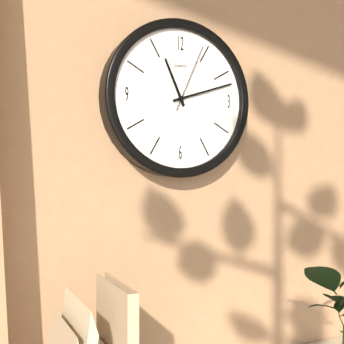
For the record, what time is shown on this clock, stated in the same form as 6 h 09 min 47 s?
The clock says 11 h 12 min 04 s
